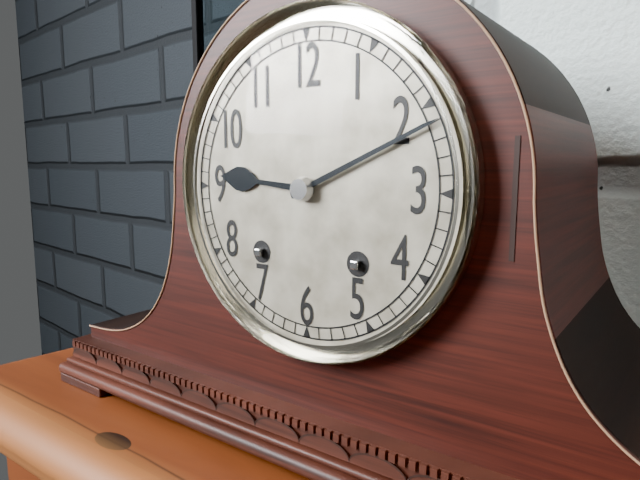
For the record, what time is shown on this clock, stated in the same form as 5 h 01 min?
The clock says 9 h 11 min
